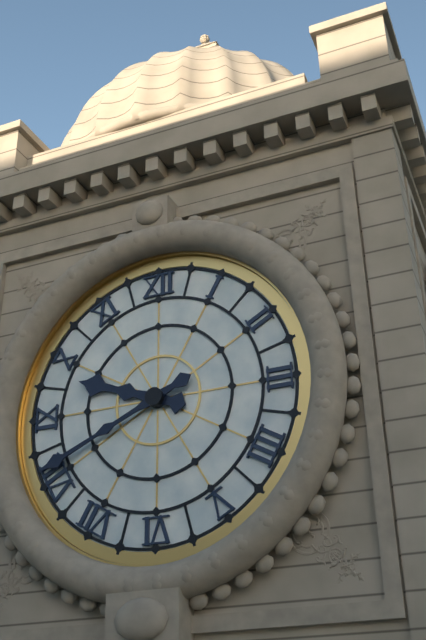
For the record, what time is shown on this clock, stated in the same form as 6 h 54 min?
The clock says 9 h 41 min
